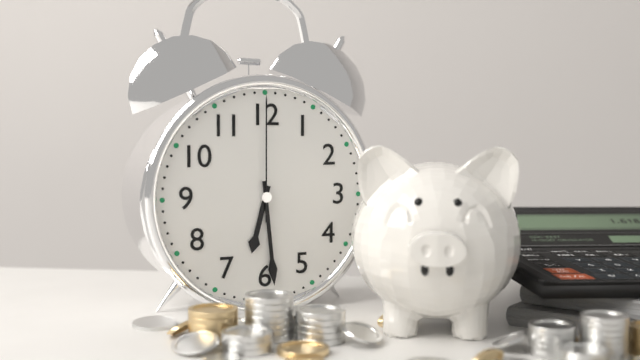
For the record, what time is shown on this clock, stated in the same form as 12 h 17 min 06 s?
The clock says 6 h 29 min 00 s
